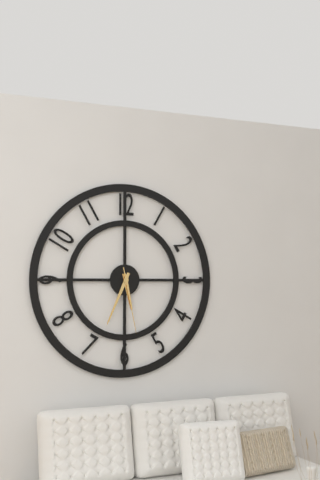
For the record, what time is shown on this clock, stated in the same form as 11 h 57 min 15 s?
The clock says 5 h 34 min 28 s
